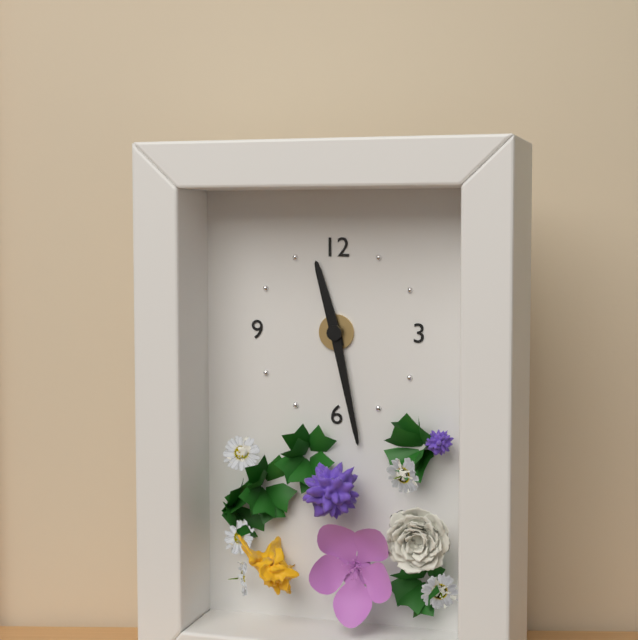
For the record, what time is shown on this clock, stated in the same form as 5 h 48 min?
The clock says 11 h 28 min
